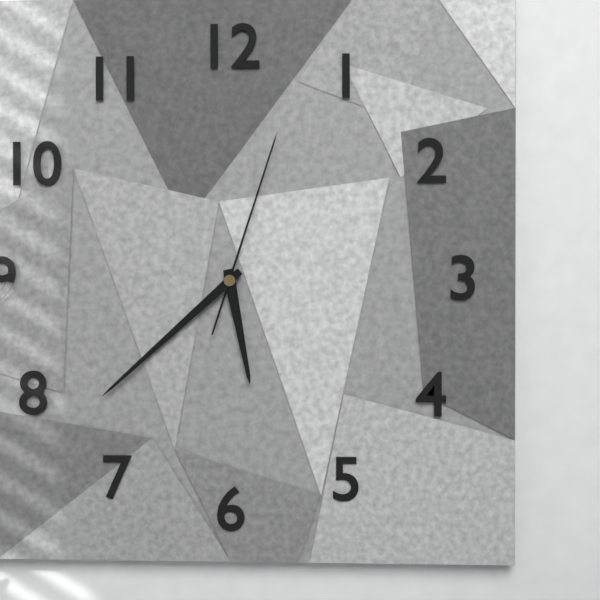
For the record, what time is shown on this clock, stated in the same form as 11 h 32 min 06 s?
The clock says 5 h 38 min 03 s
